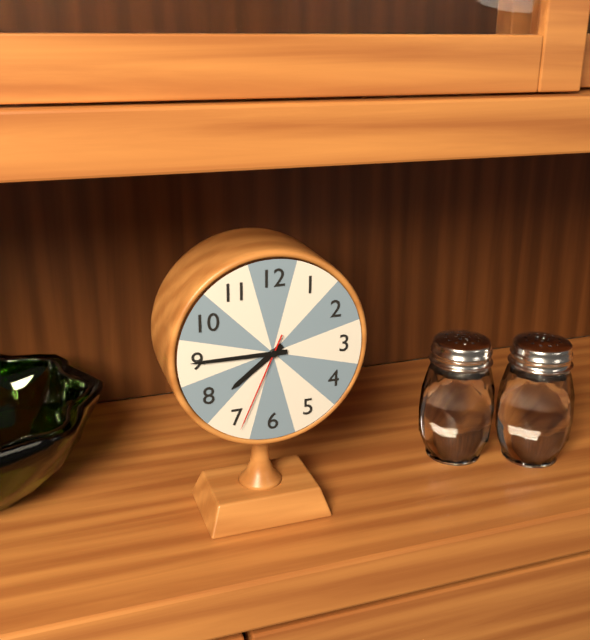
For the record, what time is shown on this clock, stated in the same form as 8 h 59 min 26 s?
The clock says 7 h 45 min 34 s
